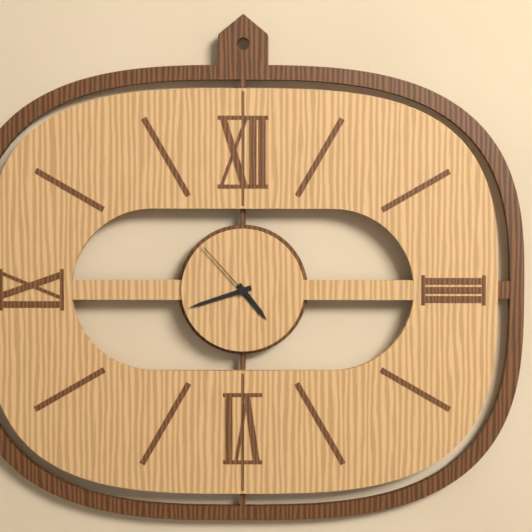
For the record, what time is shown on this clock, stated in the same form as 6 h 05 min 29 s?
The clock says 4 h 42 min 53 s
